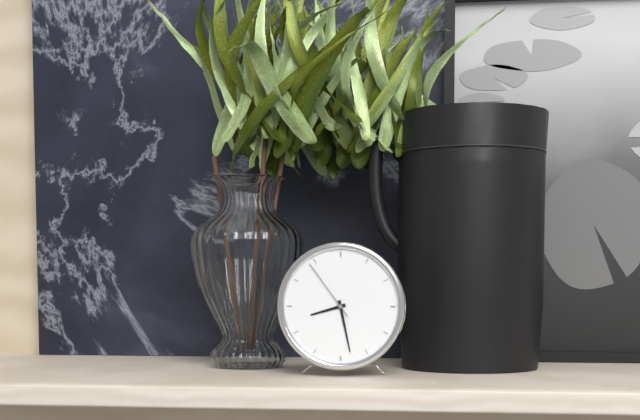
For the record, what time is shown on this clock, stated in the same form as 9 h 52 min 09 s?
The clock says 8 h 28 min 54 s
